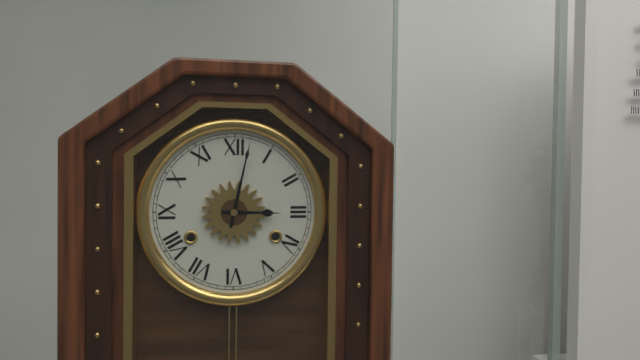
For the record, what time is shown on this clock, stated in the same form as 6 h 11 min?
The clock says 3 h 02 min
